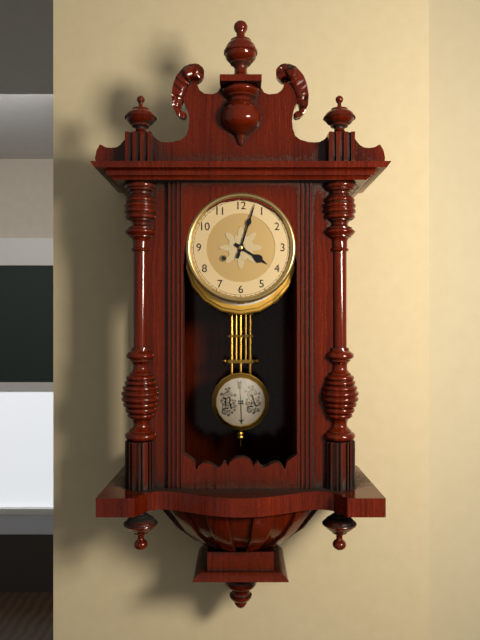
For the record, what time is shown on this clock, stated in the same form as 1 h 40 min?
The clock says 4 h 03 min
